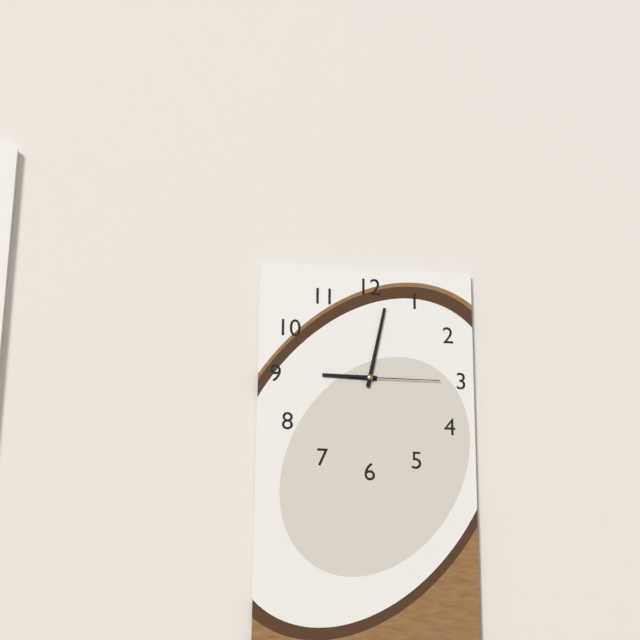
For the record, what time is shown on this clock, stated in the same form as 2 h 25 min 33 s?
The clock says 9 h 02 min 15 s
